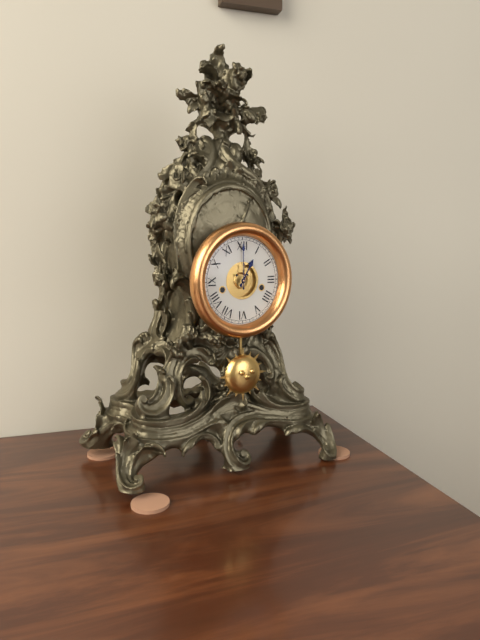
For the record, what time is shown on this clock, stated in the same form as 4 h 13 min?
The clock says 1 h 00 min
